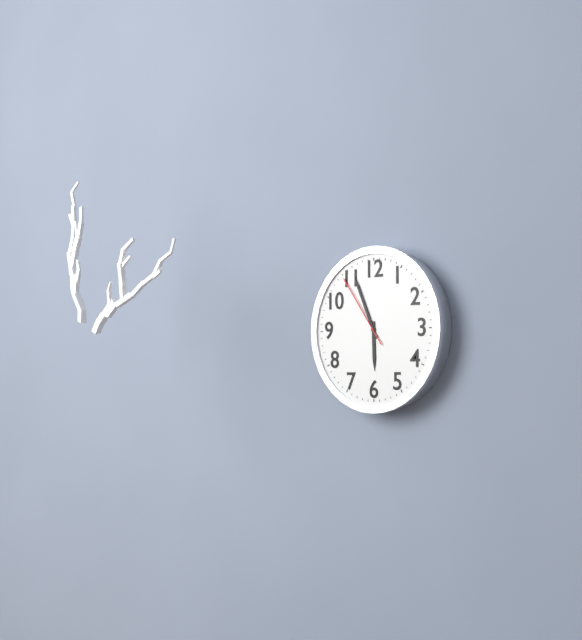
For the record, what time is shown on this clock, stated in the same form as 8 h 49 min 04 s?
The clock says 5 h 56 min 54 s
